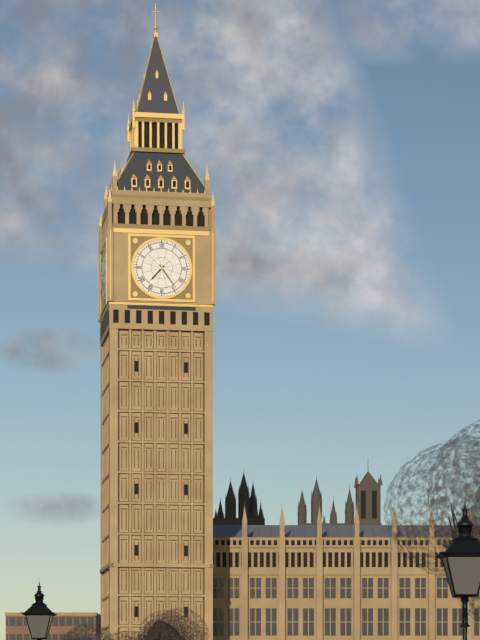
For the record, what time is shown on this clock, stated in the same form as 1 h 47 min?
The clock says 7 h 24 min
